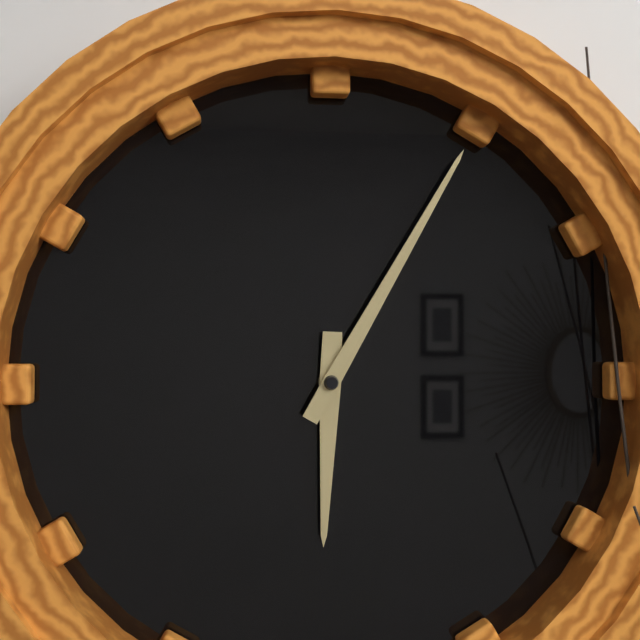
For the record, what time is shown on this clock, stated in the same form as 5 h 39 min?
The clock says 6 h 05 min
